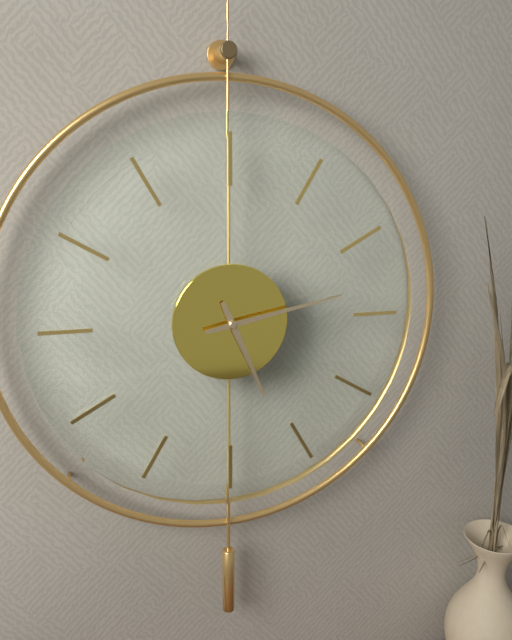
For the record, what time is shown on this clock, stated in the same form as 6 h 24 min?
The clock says 5 h 13 min
